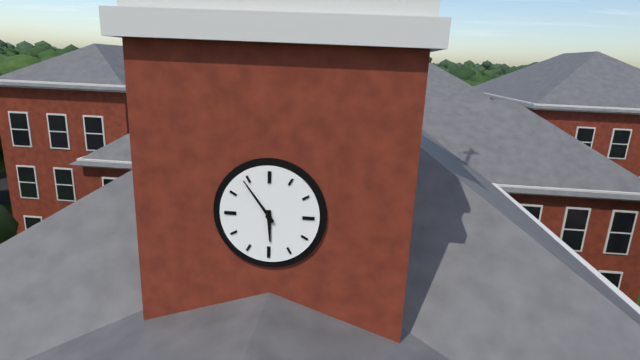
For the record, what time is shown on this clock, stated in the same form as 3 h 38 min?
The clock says 5 h 54 min
